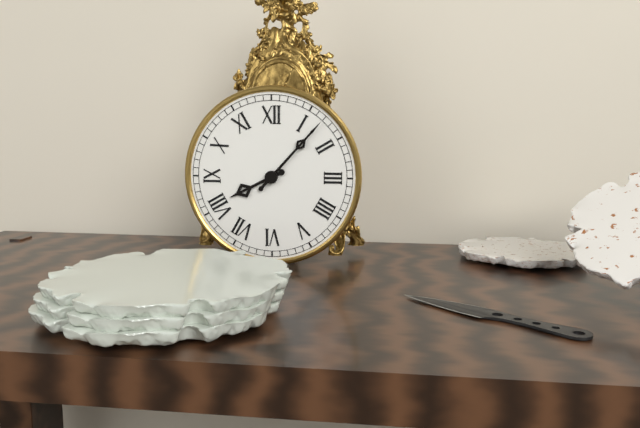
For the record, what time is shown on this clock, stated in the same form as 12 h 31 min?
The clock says 8 h 07 min
